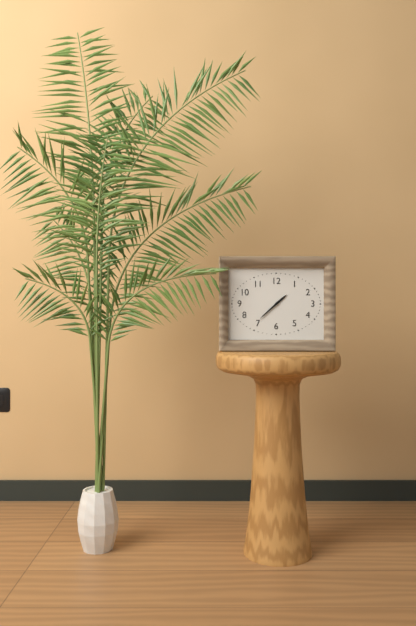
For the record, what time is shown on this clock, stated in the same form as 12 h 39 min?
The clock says 1 h 38 min
